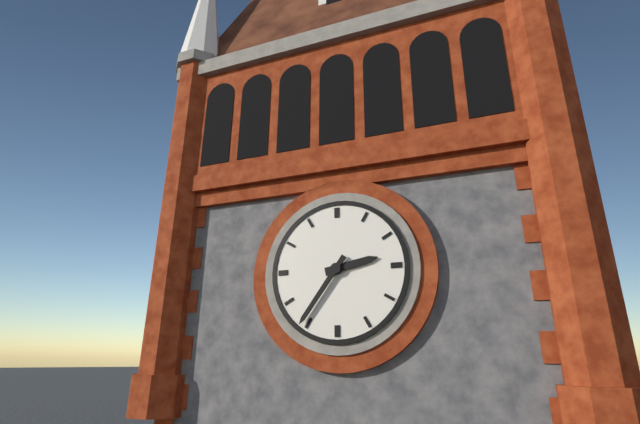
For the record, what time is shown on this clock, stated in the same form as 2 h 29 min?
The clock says 2 h 36 min
